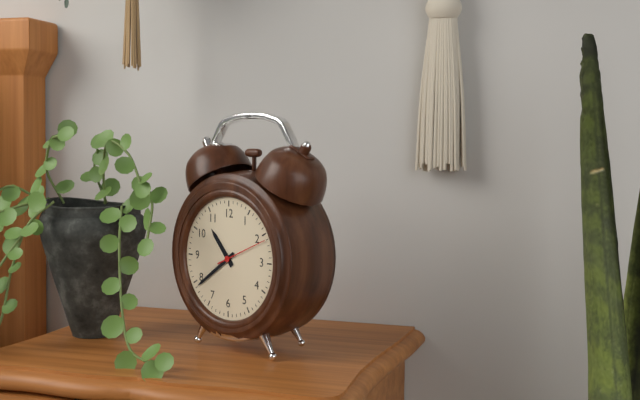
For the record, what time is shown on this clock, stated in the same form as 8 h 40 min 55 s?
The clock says 10 h 39 min 11 s
